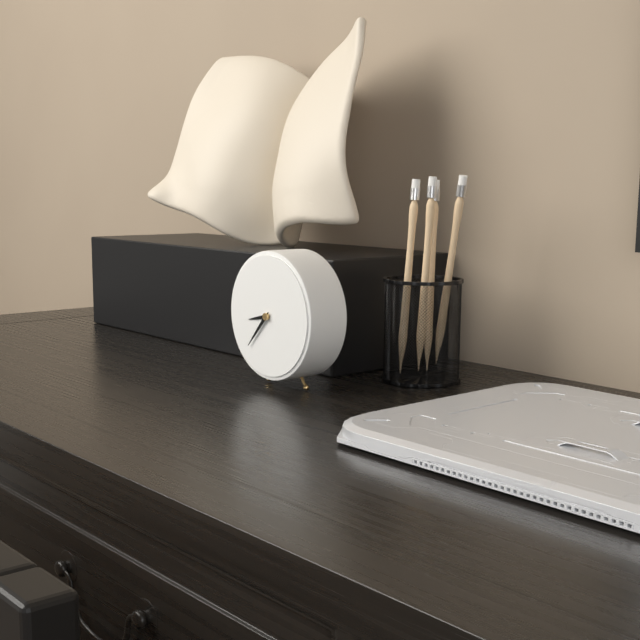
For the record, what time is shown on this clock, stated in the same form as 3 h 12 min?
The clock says 8 h 37 min
